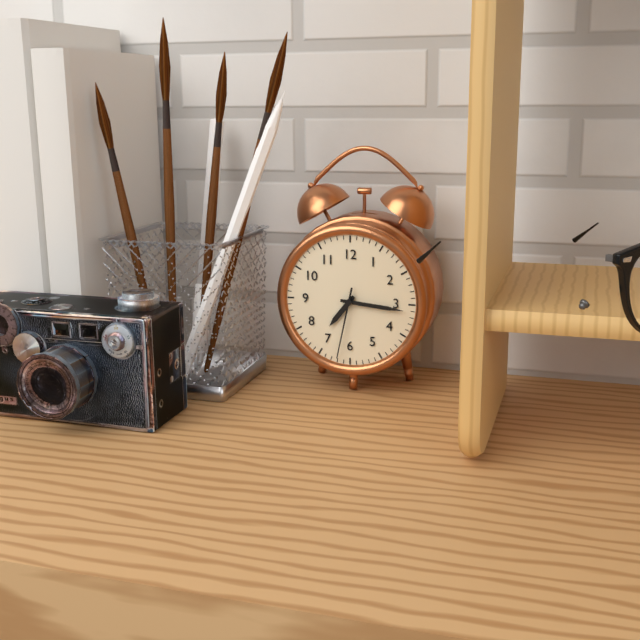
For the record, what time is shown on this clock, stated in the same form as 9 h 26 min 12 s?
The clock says 7 h 16 min 32 s
